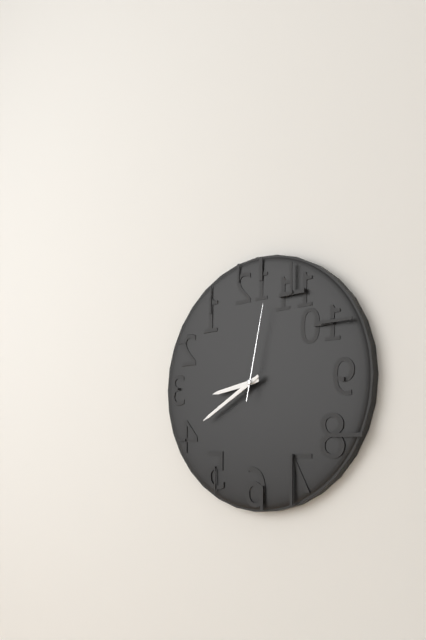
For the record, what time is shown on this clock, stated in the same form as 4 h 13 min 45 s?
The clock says 8 h 40 min 02 s
